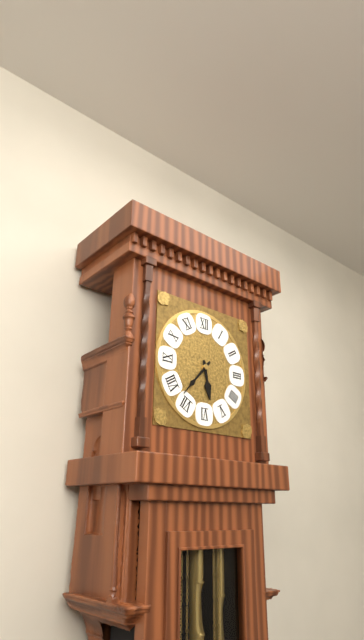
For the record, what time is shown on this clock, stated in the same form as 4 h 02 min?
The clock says 5 h 37 min
